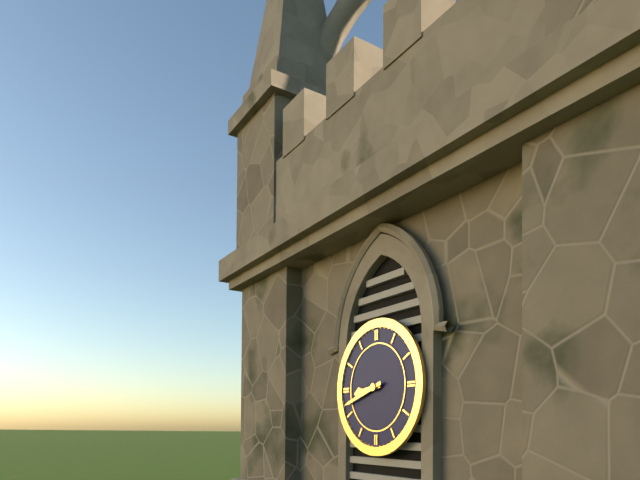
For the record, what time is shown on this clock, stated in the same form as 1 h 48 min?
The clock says 8 h 42 min
